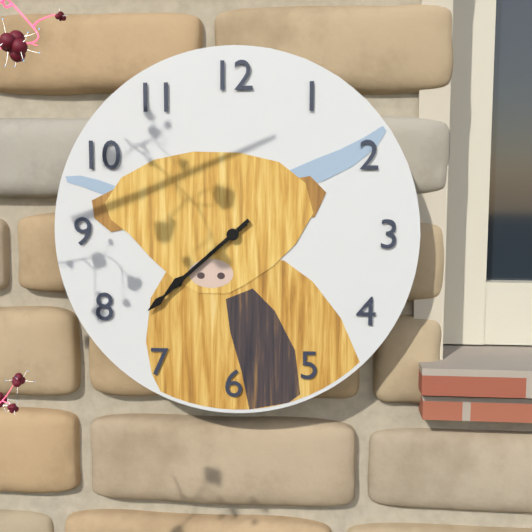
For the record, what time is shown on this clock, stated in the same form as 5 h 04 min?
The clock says 7 h 38 min
